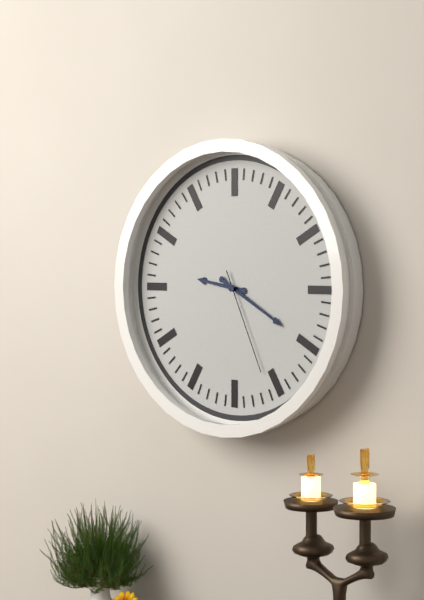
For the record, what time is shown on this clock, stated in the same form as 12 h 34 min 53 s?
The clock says 9 h 20 min 26 s
